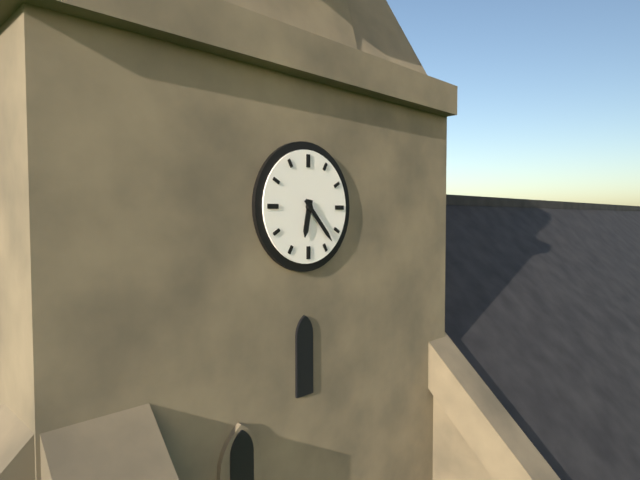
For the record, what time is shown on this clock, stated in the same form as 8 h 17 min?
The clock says 6 h 23 min
